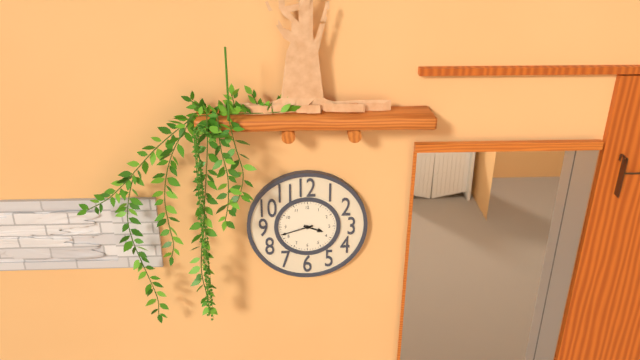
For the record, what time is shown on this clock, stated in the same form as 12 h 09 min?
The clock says 3 h 42 min
